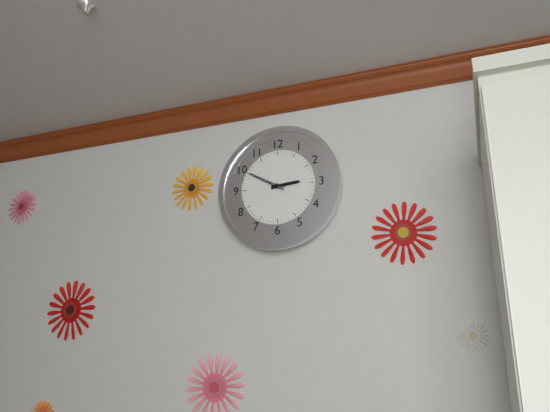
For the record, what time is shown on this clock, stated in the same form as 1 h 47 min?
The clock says 2 h 50 min
